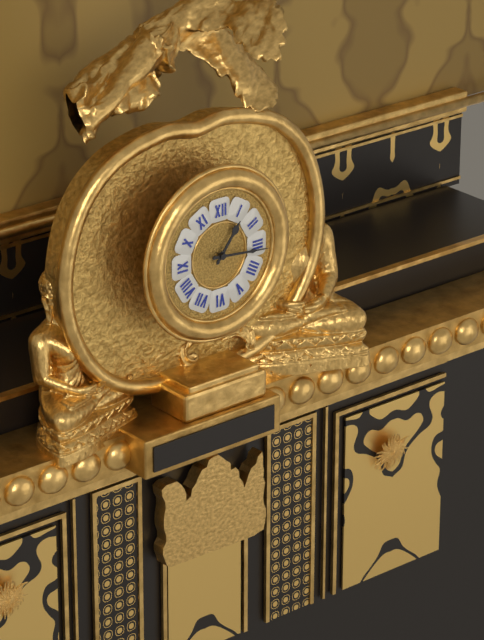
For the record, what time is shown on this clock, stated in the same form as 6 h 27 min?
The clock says 1 h 16 min
